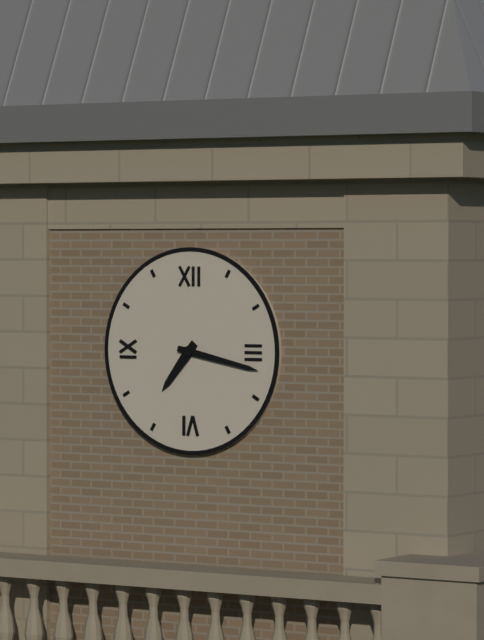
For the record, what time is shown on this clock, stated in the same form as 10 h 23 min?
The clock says 7 h 17 min
